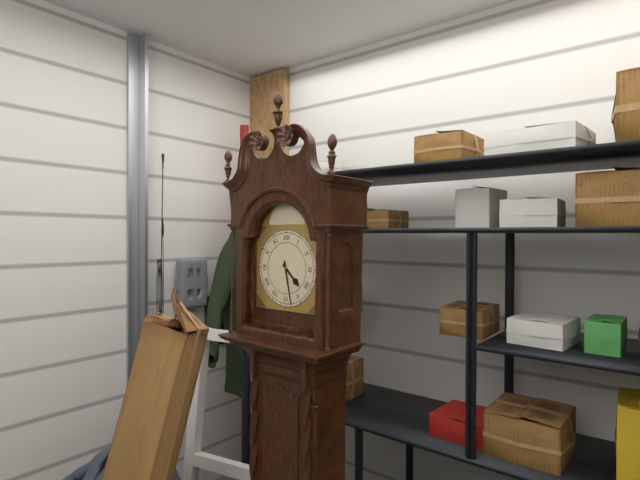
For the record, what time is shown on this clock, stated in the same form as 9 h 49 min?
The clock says 4 h 28 min
